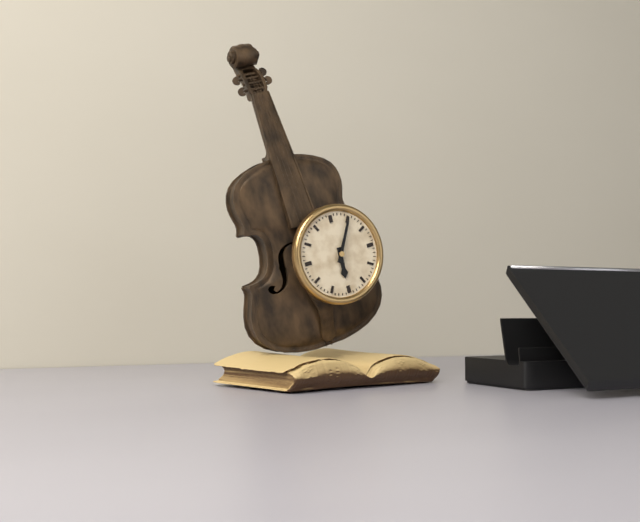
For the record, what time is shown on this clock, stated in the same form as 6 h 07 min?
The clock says 6 h 05 min
